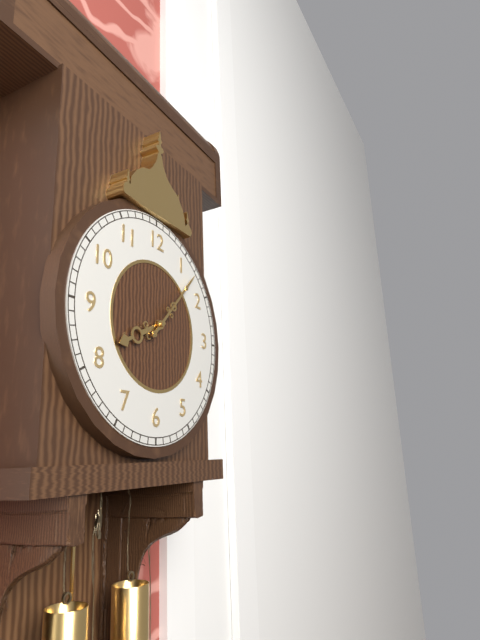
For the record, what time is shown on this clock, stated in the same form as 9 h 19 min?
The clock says 8 h 07 min
